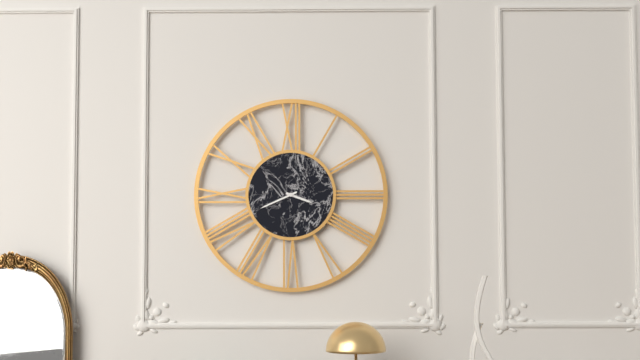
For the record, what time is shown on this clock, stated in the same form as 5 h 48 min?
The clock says 3 h 41 min
